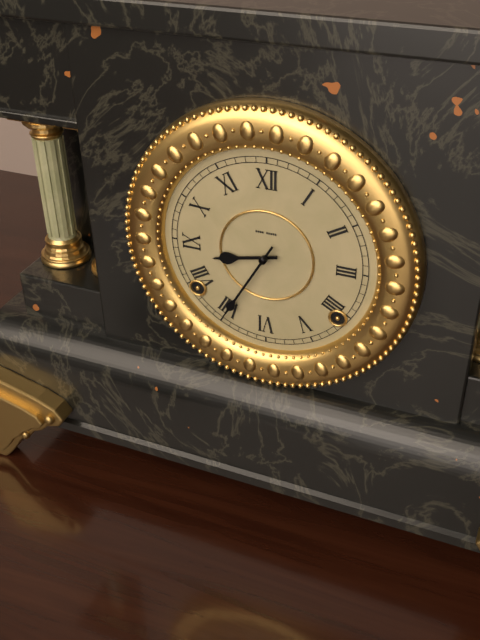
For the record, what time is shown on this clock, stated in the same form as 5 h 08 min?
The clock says 8 h 35 min
